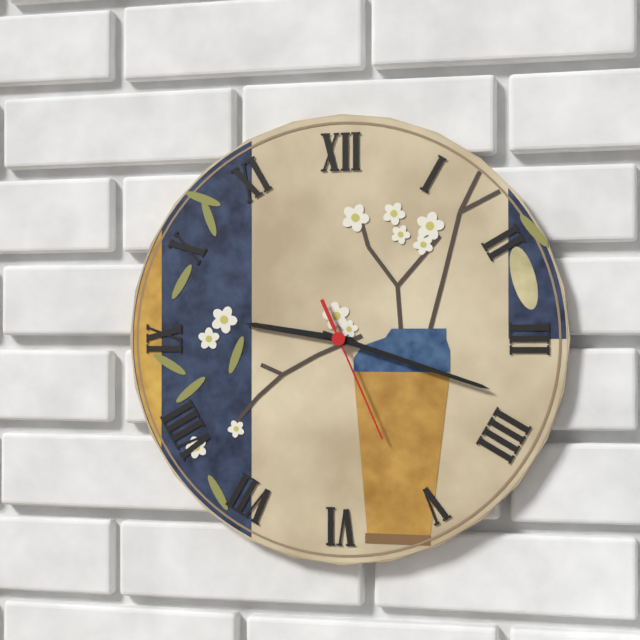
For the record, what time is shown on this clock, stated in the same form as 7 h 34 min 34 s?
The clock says 9 h 18 min 26 s
